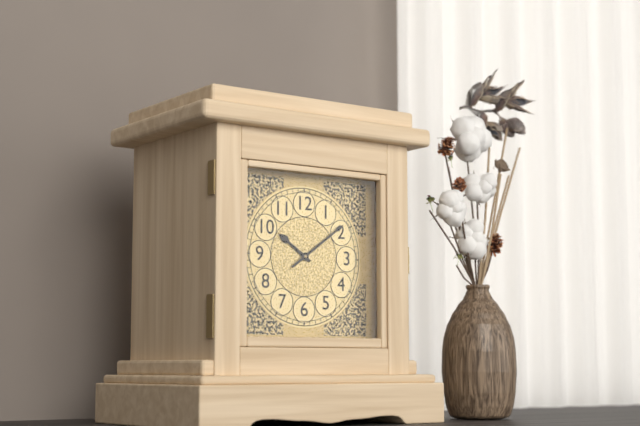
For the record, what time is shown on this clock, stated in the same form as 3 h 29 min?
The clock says 10 h 09 min
